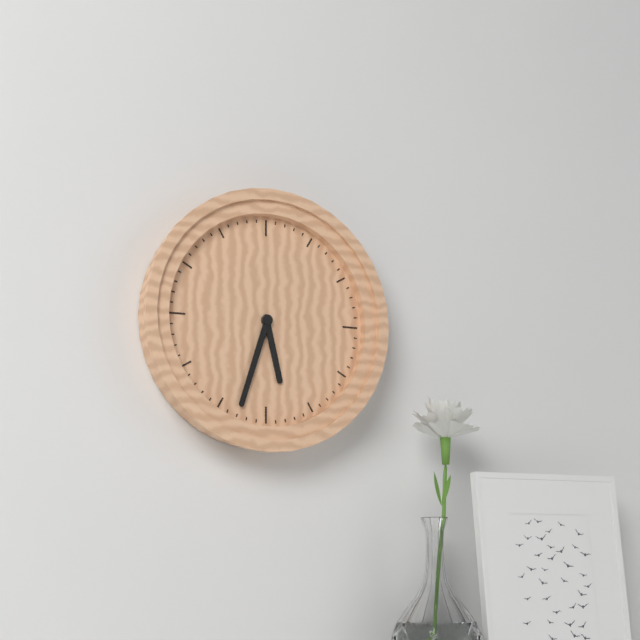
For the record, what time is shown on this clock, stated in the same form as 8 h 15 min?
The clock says 5 h 33 min
